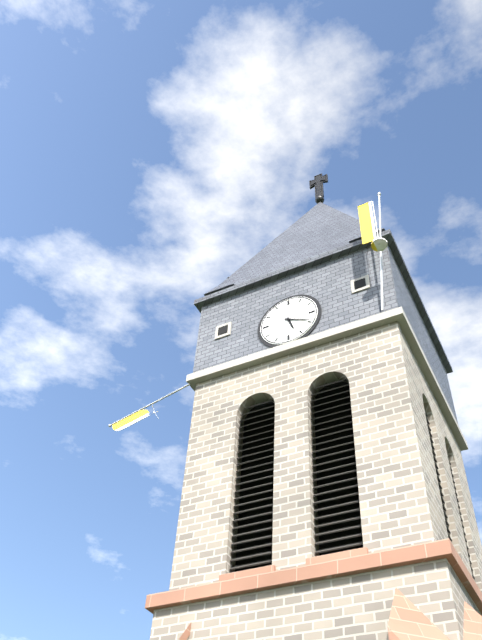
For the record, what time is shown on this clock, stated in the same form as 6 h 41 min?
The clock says 5 h 19 min
